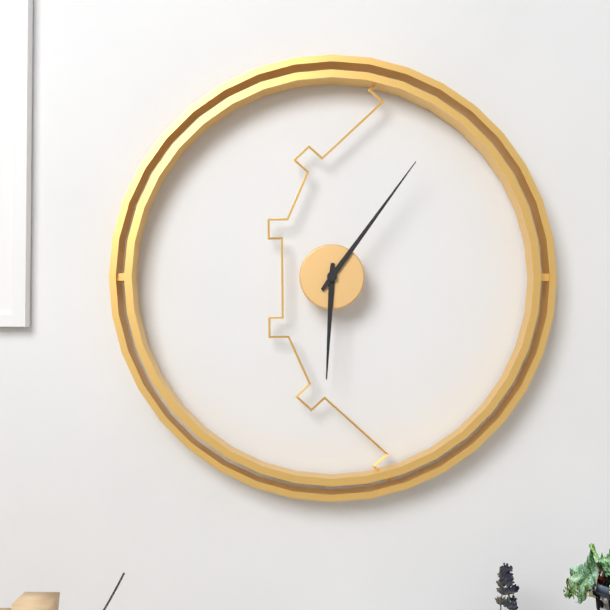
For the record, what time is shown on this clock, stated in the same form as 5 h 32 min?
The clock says 6 h 06 min
